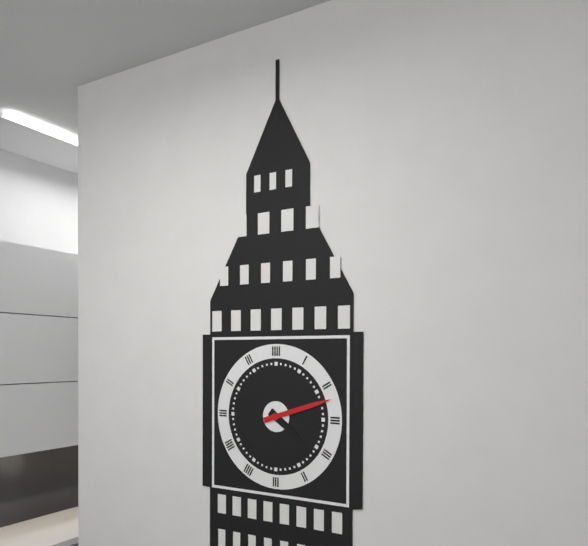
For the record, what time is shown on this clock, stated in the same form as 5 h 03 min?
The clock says 4 h 12 min
